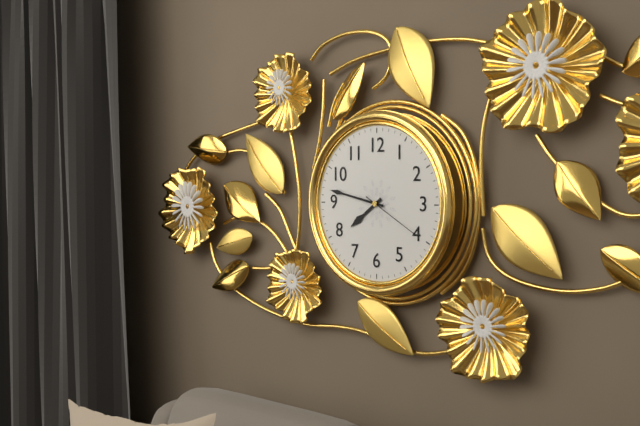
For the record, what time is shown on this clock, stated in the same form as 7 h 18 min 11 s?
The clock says 7 h 47 min 20 s
